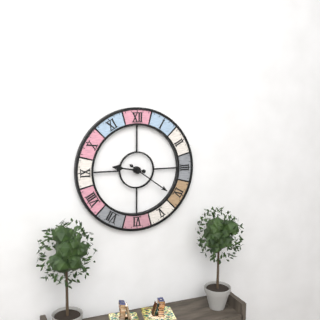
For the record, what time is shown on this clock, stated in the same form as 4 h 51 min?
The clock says 9 h 21 min
